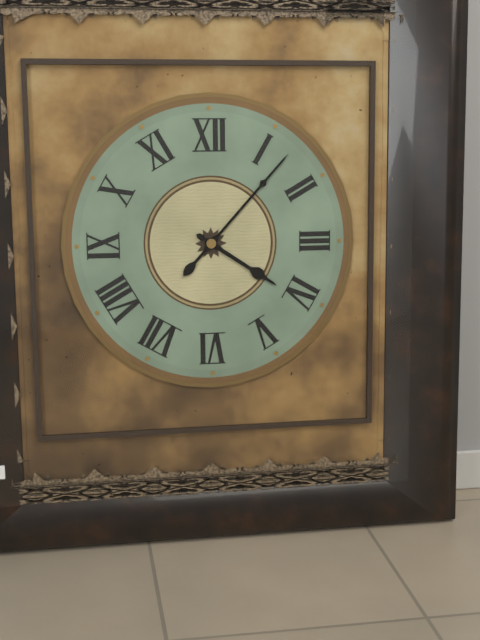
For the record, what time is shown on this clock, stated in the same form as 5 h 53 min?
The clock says 4 h 07 min
